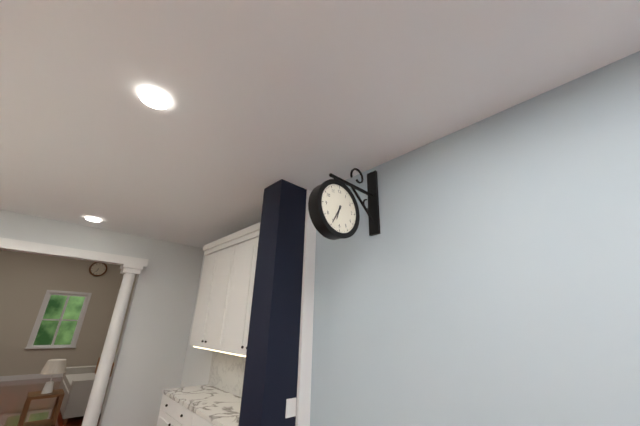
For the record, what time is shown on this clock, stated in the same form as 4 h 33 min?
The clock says 6 h 35 min
